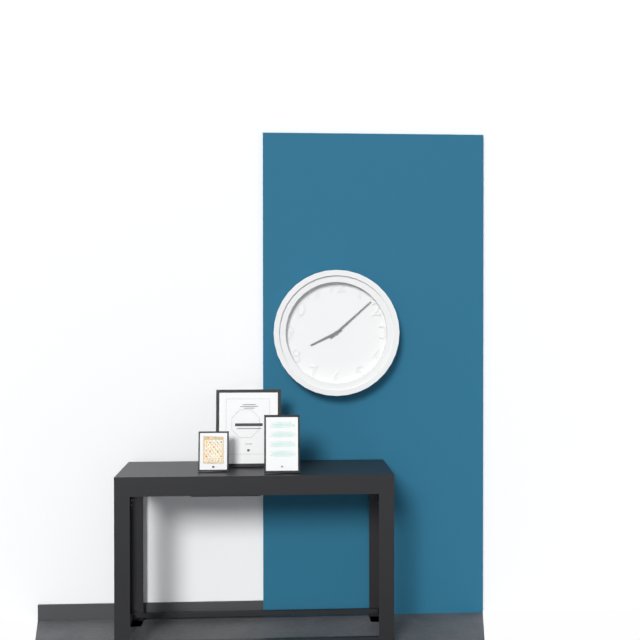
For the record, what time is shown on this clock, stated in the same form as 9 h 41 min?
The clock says 8 h 08 min
